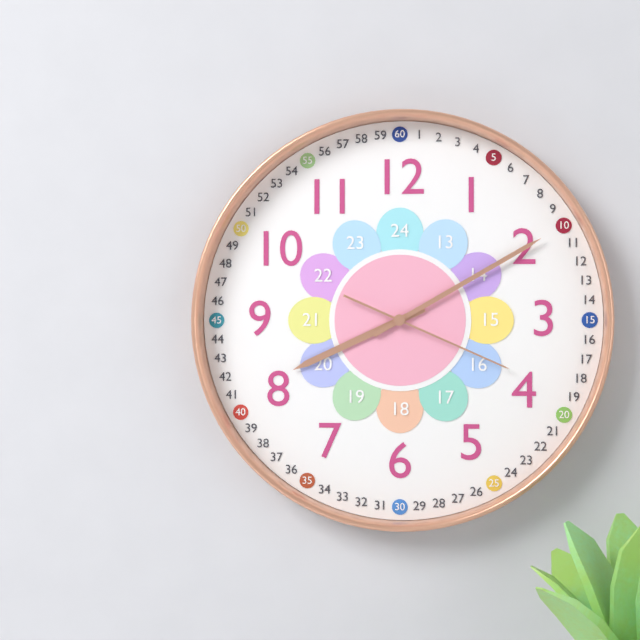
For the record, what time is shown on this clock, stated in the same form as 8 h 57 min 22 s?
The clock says 8 h 10 min 19 s
